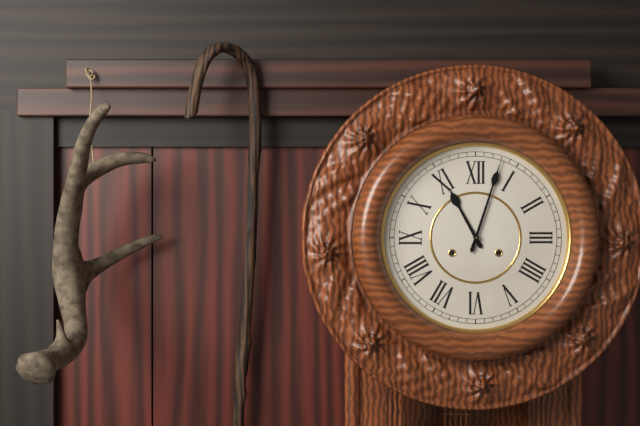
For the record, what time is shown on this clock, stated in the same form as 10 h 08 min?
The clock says 11 h 03 min
